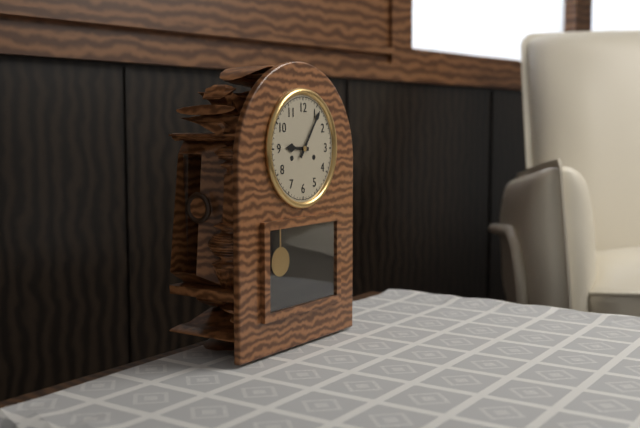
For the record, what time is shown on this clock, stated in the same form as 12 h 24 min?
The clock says 9 h 06 min
